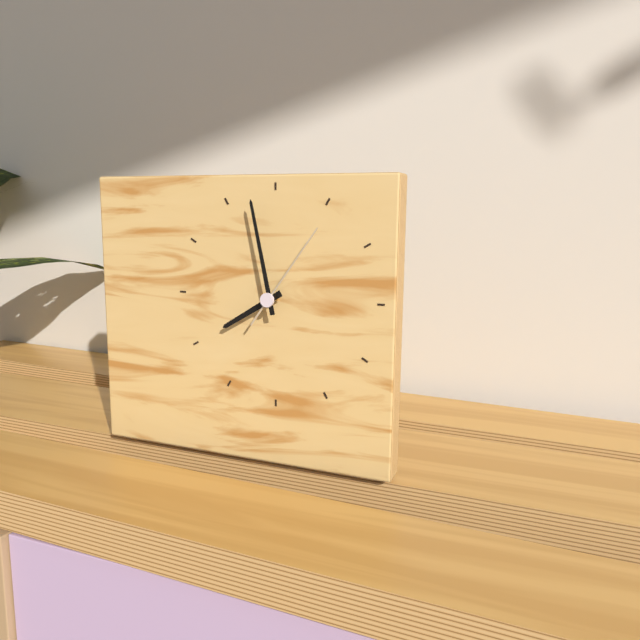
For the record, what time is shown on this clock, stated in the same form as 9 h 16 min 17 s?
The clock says 7 h 58 min 06 s
